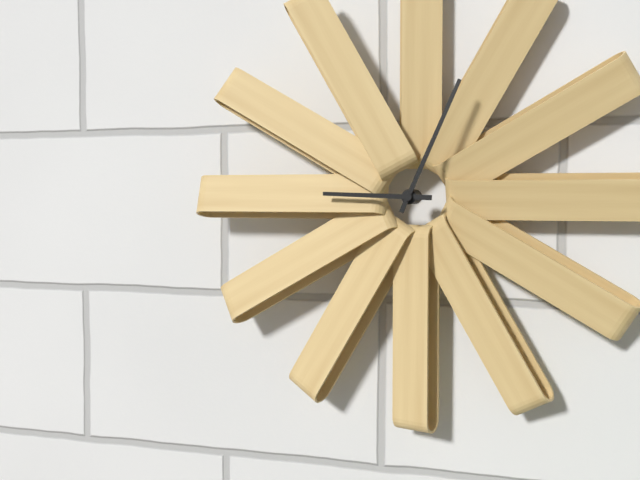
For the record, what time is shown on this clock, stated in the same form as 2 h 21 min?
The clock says 9 h 04 min
